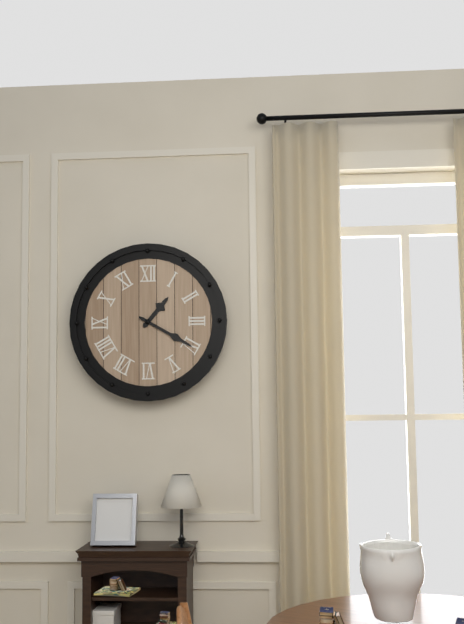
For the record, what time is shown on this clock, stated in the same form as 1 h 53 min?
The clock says 1 h 20 min
